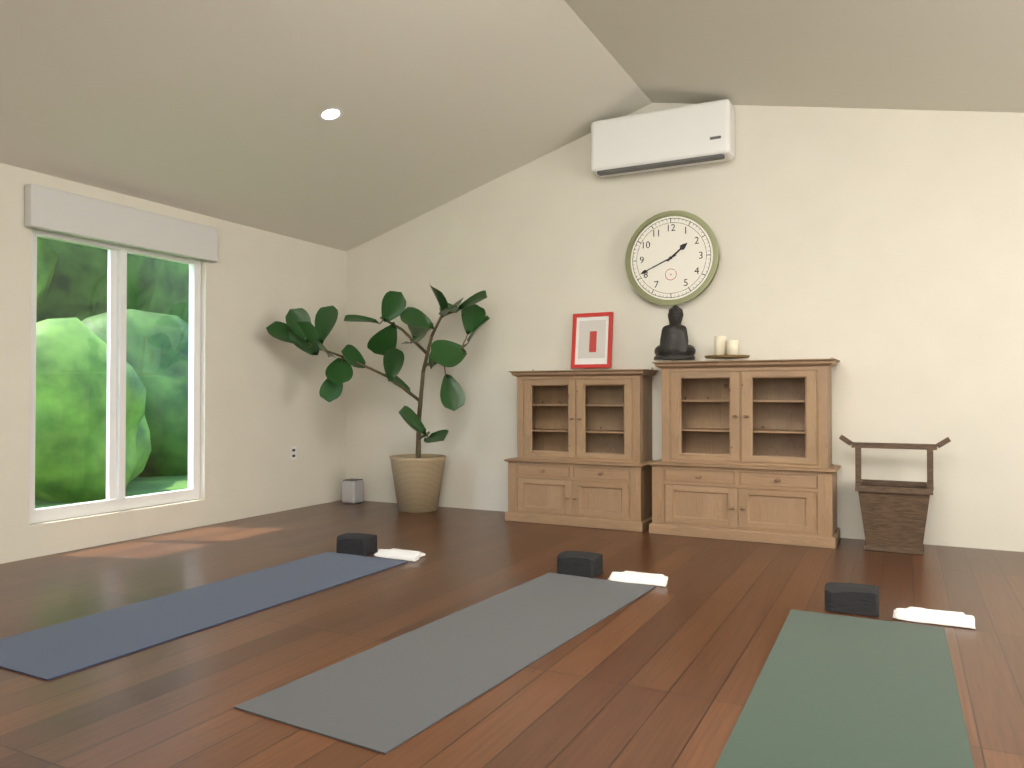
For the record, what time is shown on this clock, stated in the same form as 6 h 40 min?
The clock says 1 h 41 min
